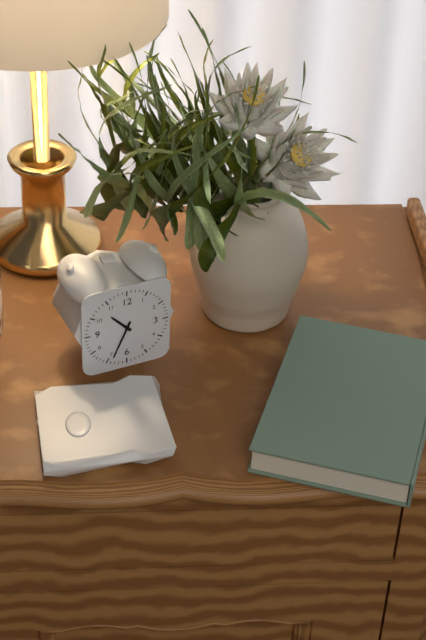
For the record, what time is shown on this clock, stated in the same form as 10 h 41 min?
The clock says 10 h 34 min
